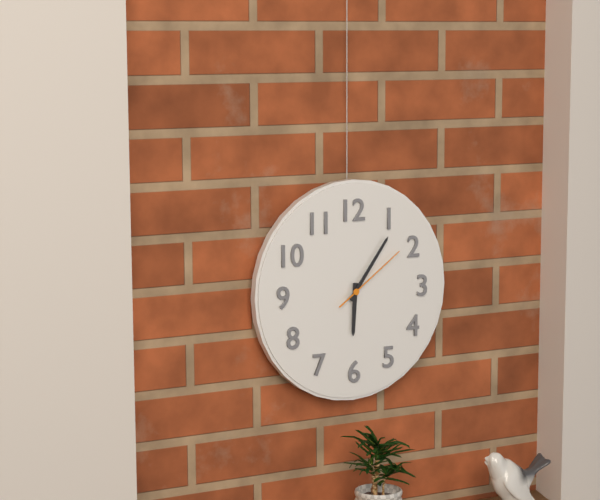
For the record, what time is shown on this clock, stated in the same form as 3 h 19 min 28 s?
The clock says 6 h 06 min 09 s
